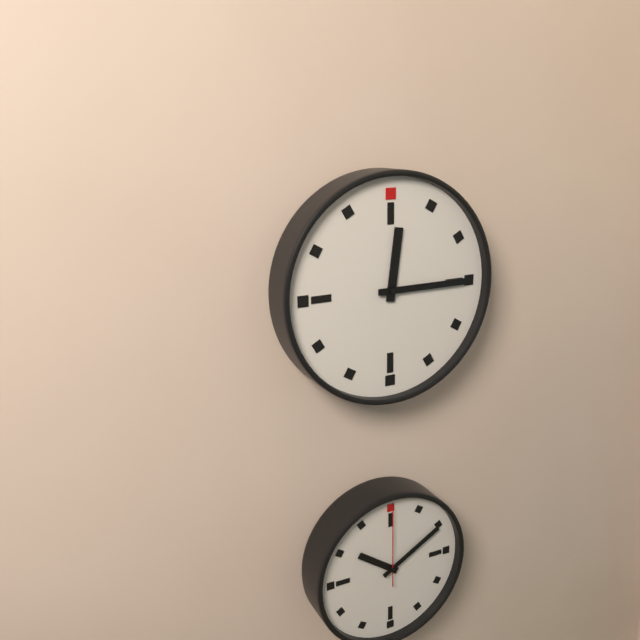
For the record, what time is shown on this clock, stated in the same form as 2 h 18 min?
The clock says 12 h 15 min
